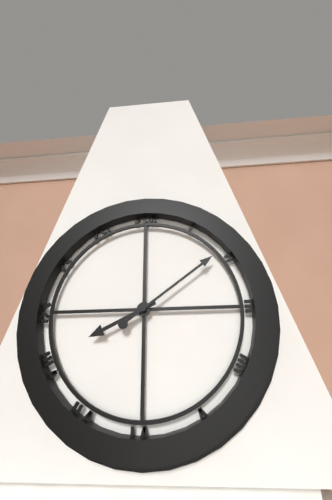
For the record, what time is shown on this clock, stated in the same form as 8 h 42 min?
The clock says 8 h 09 min
